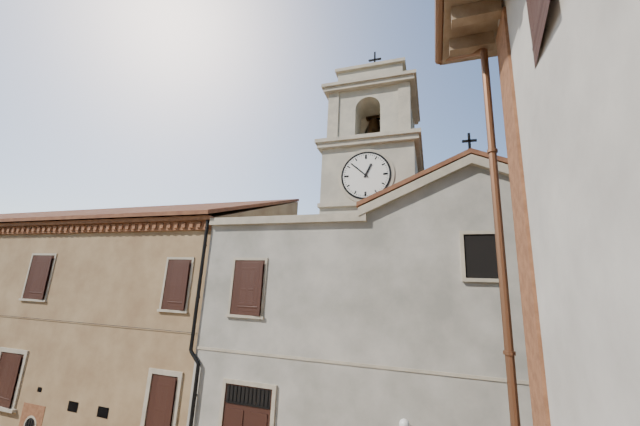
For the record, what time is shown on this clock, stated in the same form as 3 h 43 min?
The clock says 12 h 52 min
